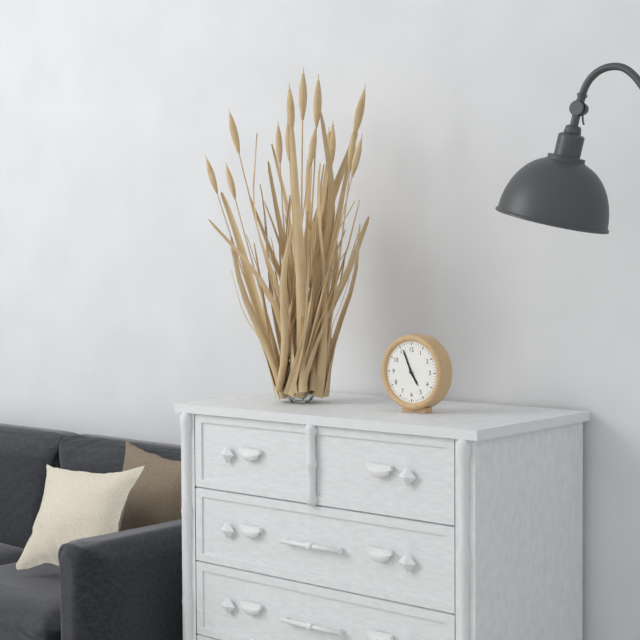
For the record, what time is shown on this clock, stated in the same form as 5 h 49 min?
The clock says 4 h 56 min
